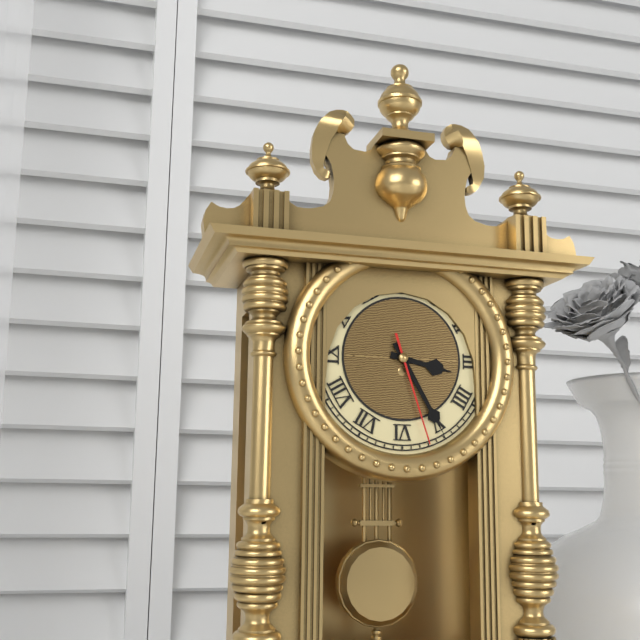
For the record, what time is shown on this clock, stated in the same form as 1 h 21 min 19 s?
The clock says 3 h 25 min 27 s
